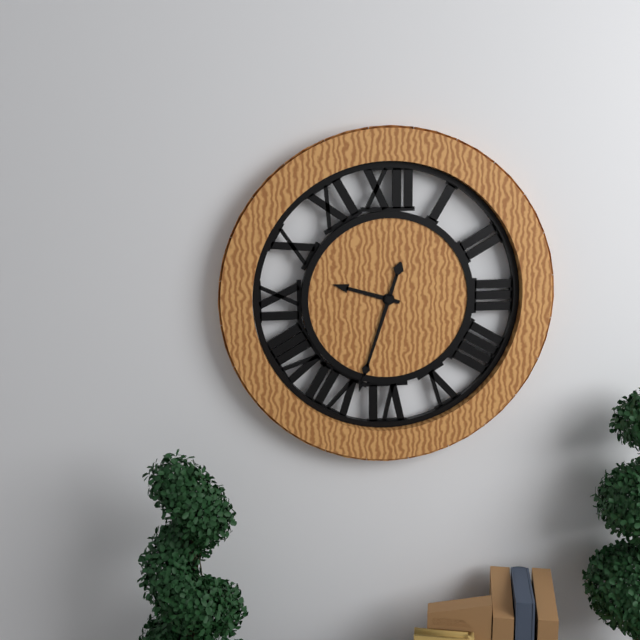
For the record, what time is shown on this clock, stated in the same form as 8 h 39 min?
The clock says 9 h 33 min
